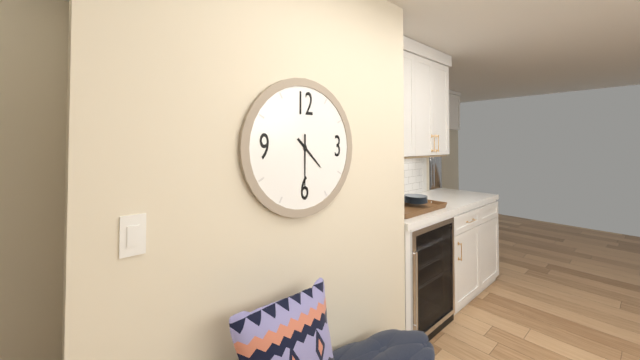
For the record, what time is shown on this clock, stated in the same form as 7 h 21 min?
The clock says 4 h 30 min
